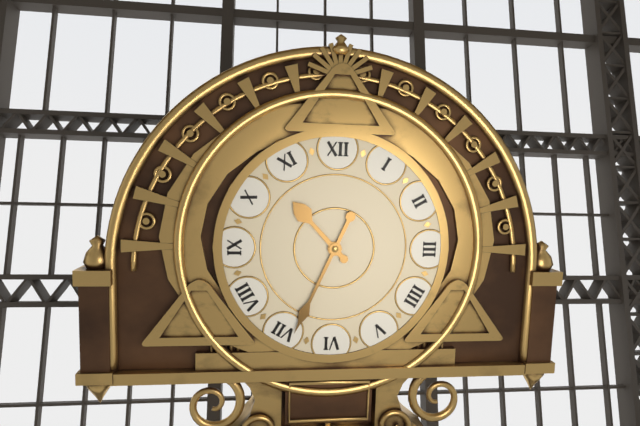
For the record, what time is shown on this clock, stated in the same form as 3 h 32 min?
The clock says 10 h 34 min
